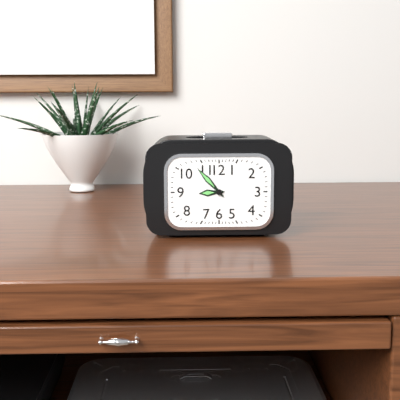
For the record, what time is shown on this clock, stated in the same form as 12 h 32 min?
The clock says 8 h 53 min
